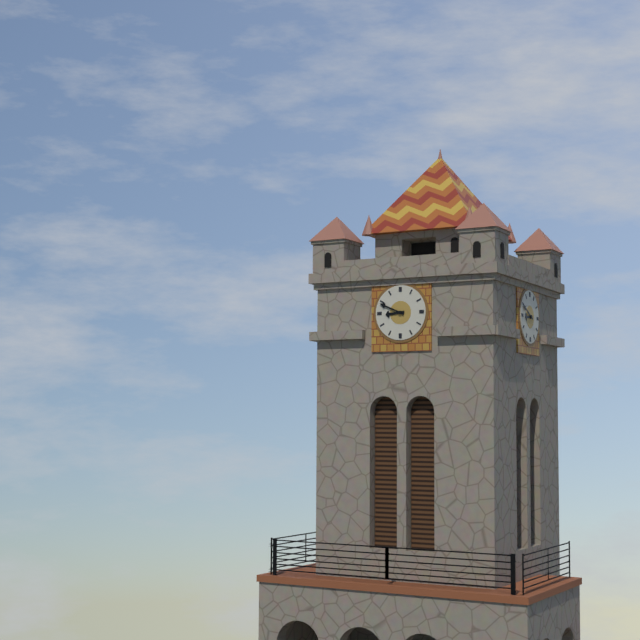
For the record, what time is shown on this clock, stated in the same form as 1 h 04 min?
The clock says 8 h 49 min
